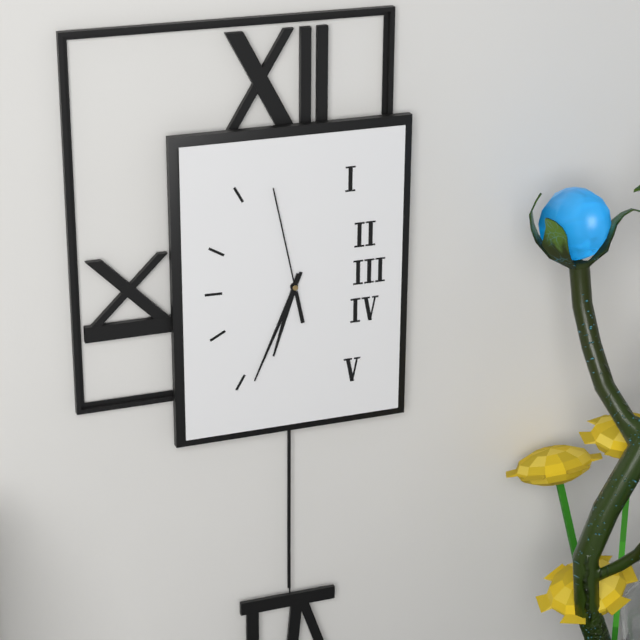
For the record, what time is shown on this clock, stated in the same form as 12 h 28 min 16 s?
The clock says 6 h 34 min 58 s
